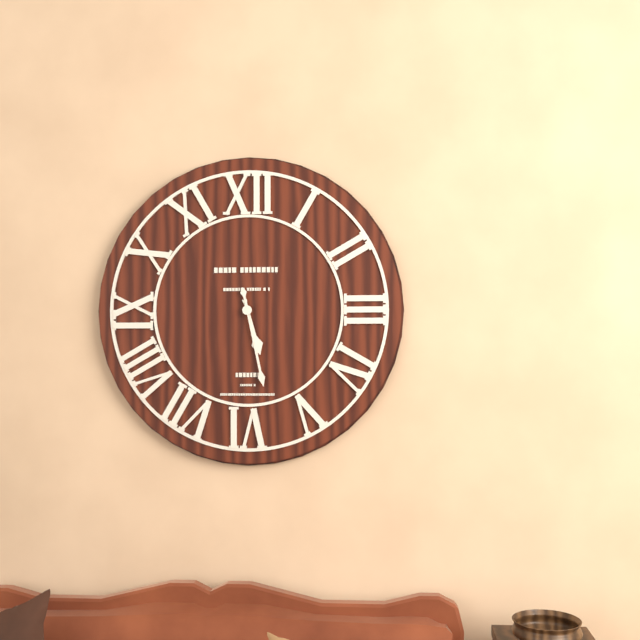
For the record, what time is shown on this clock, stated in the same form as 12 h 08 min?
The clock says 5 h 28 min
